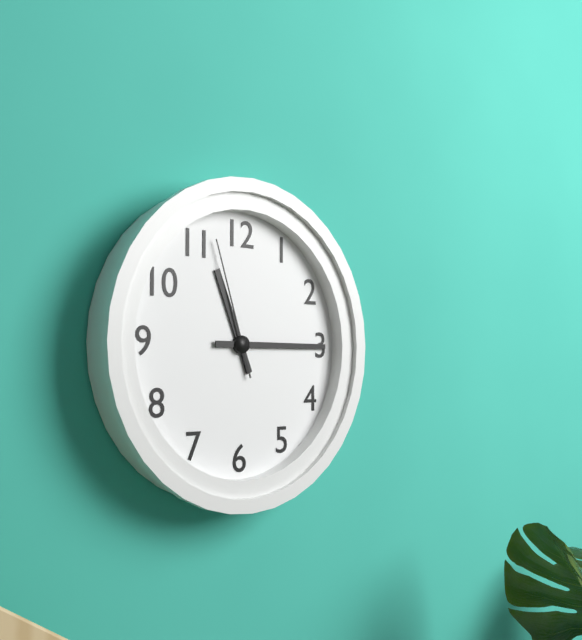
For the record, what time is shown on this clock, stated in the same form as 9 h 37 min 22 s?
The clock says 11 h 15 min 57 s
